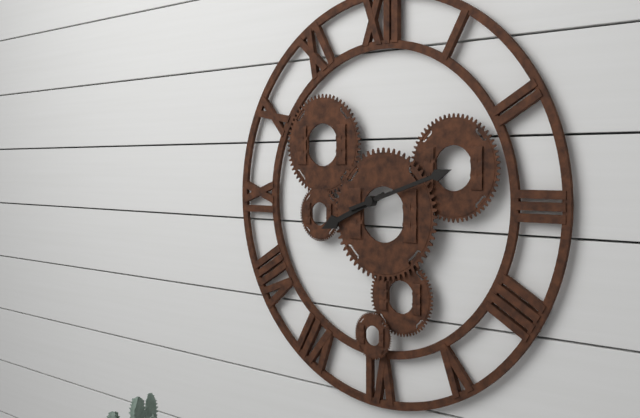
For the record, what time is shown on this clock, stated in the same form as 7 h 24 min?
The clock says 8 h 12 min
